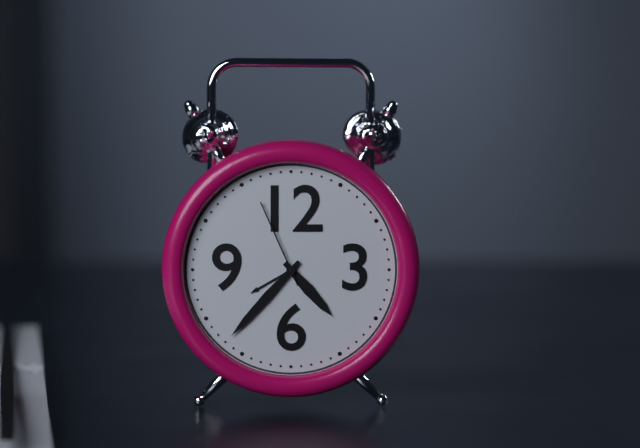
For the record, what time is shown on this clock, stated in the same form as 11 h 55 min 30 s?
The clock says 4 h 37 min 56 s
